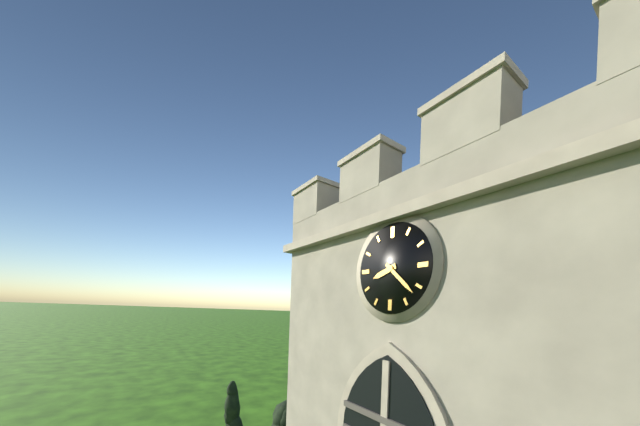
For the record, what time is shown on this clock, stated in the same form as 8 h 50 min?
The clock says 8 h 22 min
